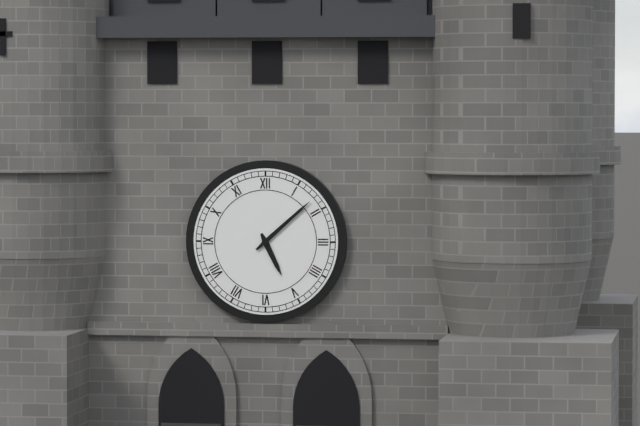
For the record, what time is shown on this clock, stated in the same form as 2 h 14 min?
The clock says 5 h 08 min
